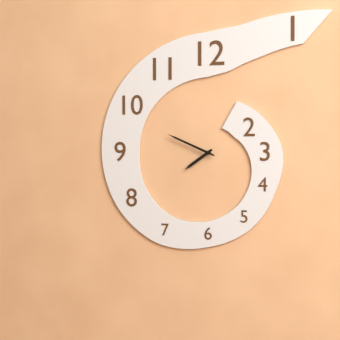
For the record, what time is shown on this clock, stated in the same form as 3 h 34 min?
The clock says 7 h 49 min
